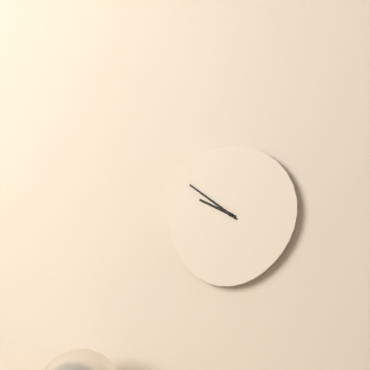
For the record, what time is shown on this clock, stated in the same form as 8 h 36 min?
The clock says 9 h 51 min
